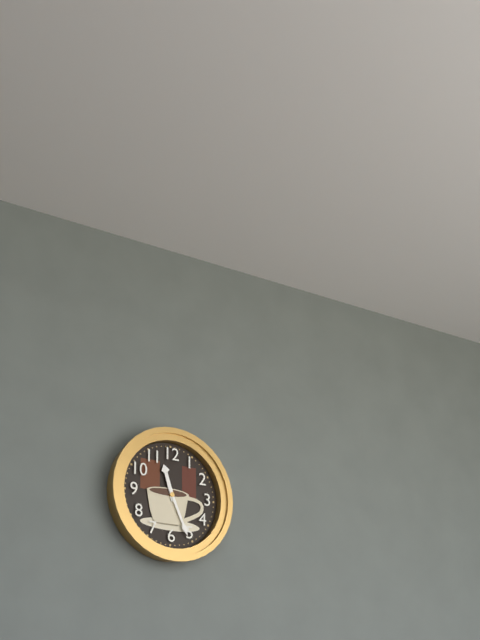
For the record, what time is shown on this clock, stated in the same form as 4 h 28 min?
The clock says 11 h 26 min
